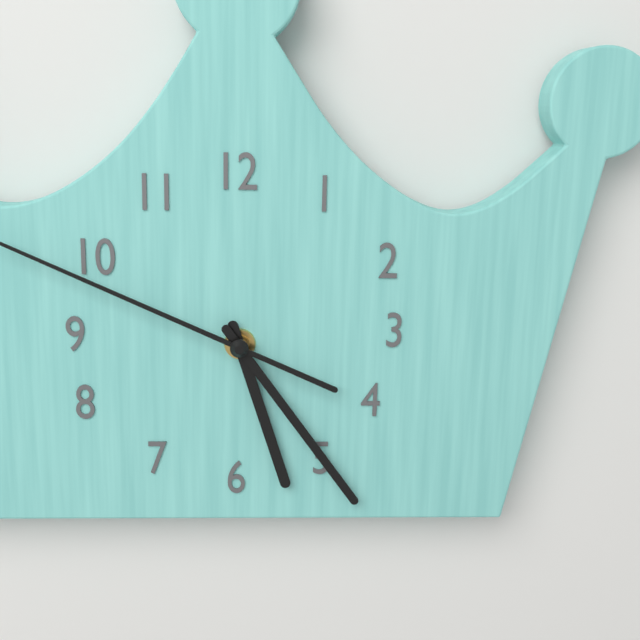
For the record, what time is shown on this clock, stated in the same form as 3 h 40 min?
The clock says 5 h 24 min
